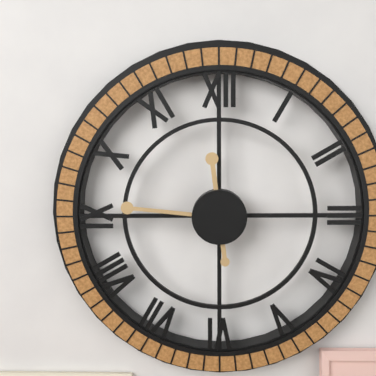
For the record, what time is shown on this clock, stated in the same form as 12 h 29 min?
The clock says 11 h 46 min
